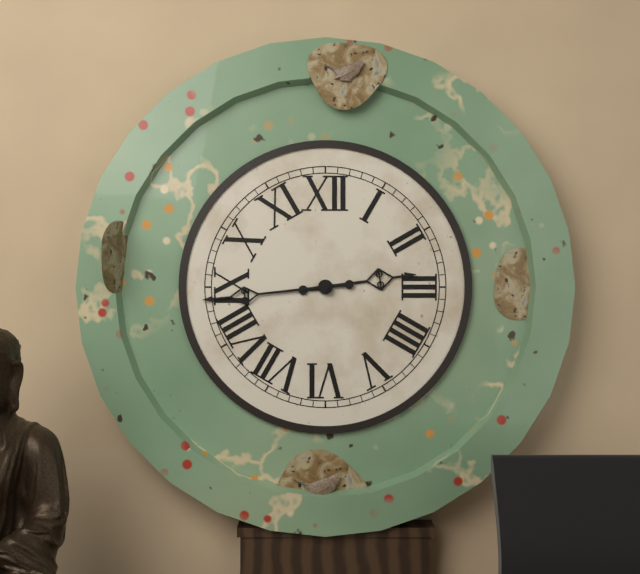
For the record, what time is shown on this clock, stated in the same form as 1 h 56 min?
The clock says 2 h 44 min
